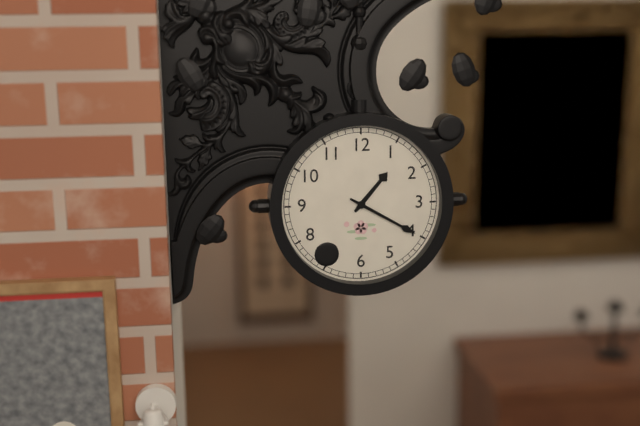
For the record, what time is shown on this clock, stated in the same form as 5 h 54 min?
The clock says 1 h 20 min
